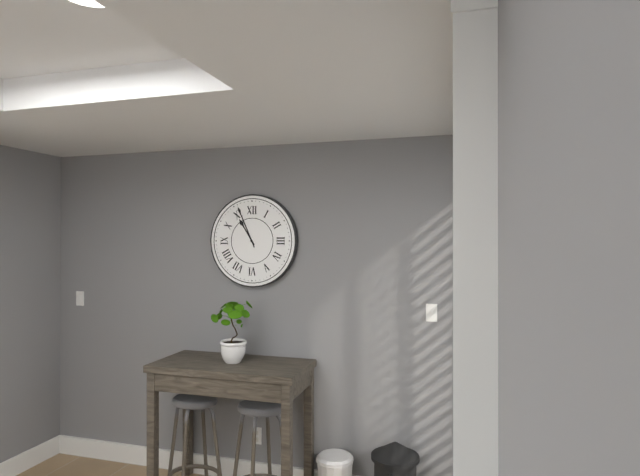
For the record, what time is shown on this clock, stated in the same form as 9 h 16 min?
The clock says 10 h 56 min
